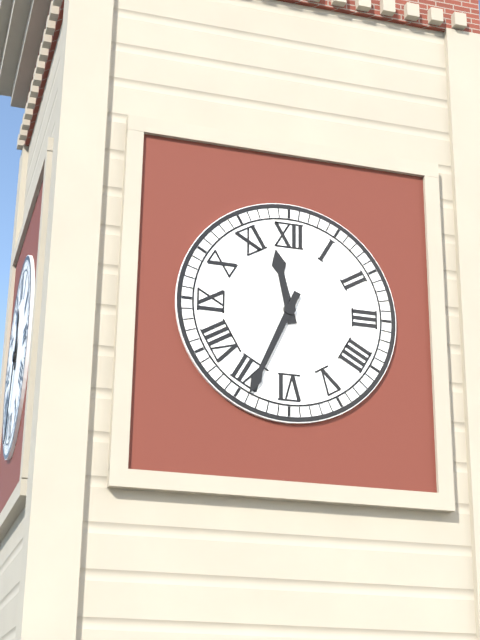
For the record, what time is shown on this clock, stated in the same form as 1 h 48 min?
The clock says 11 h 34 min
